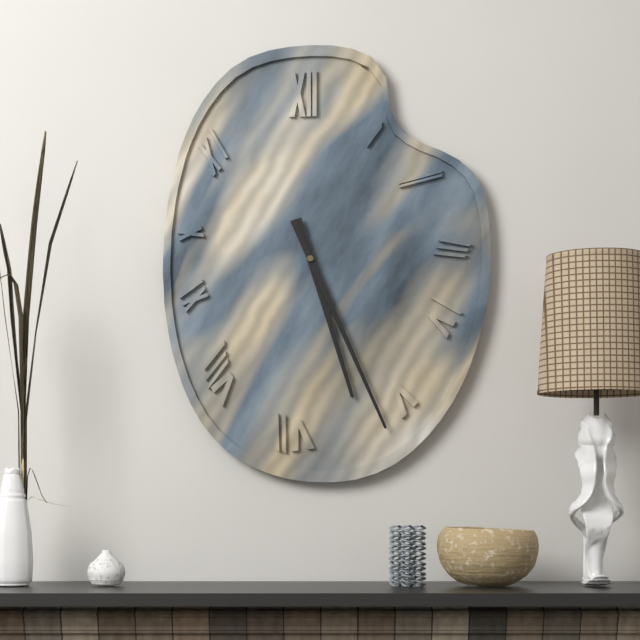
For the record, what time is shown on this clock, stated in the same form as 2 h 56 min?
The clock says 5 h 26 min
